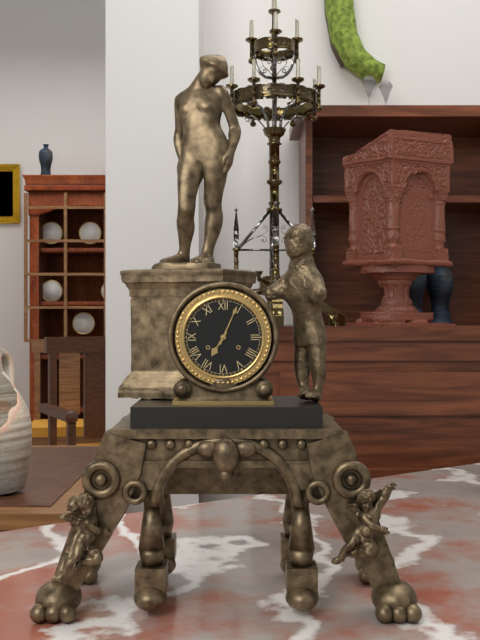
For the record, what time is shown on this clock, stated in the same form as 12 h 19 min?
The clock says 7 h 04 min
